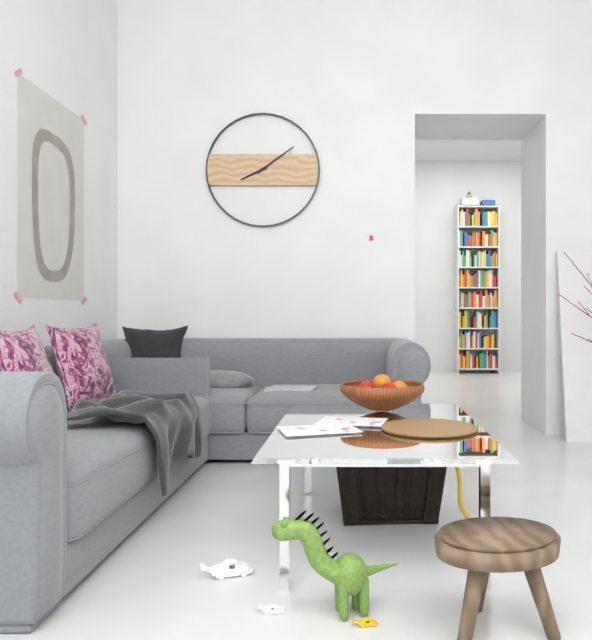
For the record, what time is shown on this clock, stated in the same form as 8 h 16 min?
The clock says 8 h 09 min
